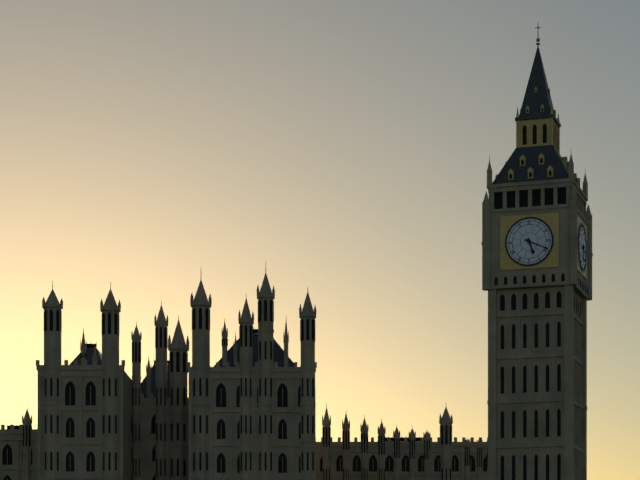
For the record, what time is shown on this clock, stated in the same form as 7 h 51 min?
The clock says 5 h 19 min
